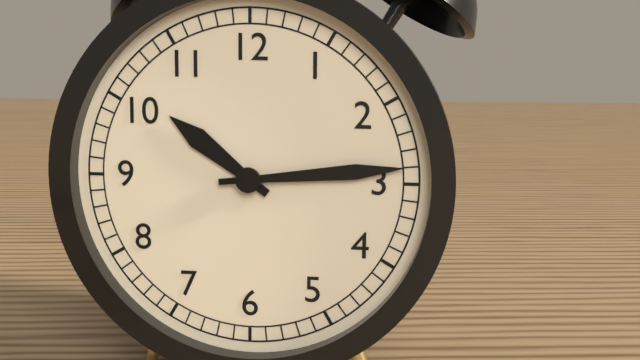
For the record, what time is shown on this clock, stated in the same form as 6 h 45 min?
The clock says 10 h 14 min
